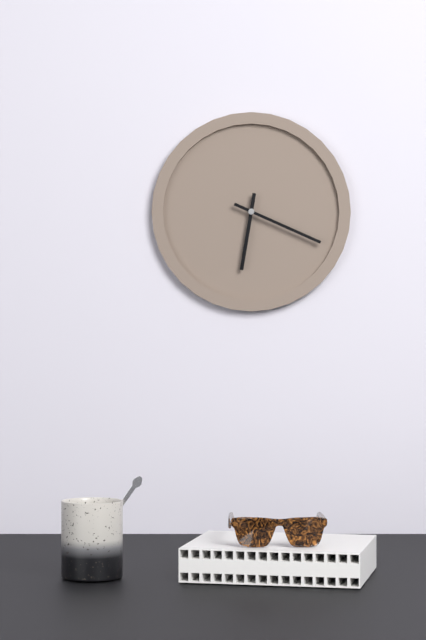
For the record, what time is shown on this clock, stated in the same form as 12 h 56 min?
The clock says 6 h 19 min
